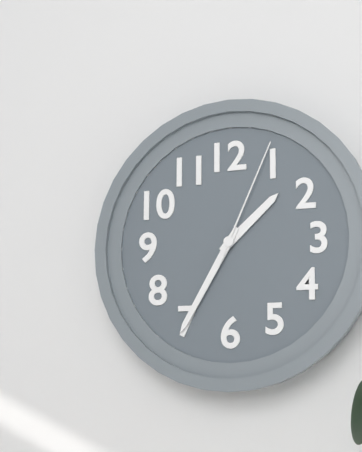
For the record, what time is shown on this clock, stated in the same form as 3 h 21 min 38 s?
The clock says 1 h 35 min 04 s
